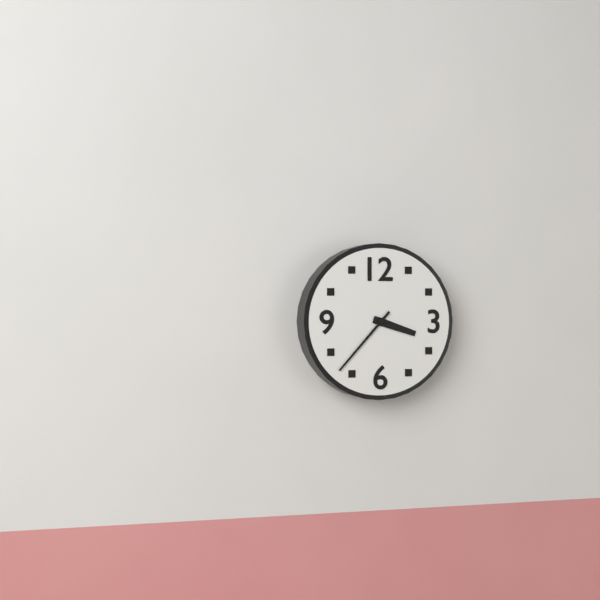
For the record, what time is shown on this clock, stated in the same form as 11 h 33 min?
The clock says 3 h 37 min
